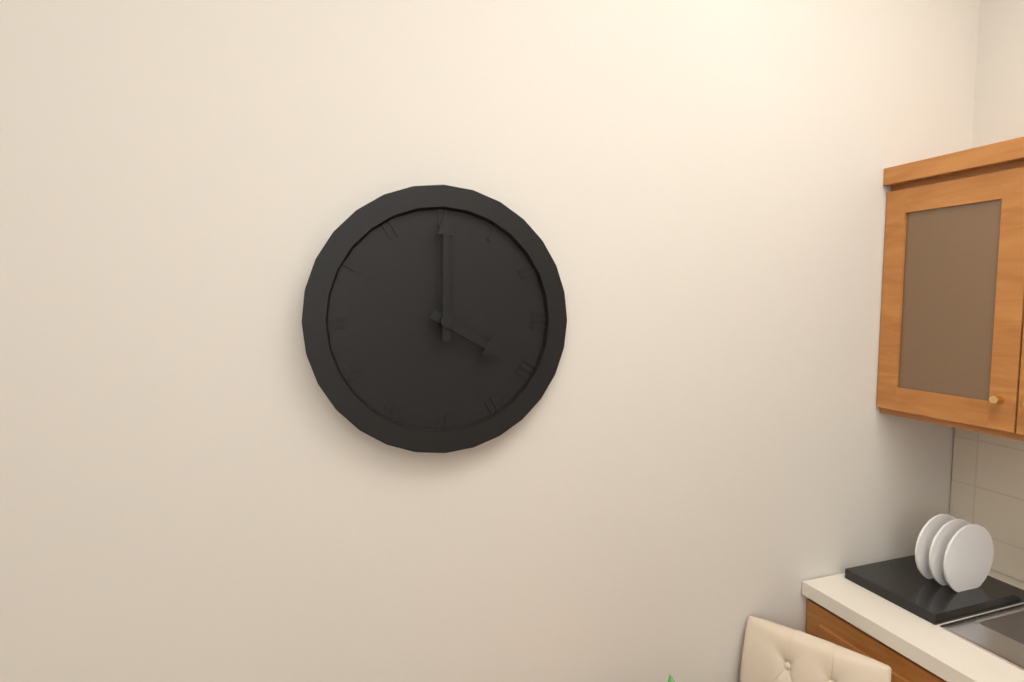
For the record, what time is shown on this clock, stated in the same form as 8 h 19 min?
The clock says 4 h 00 min
